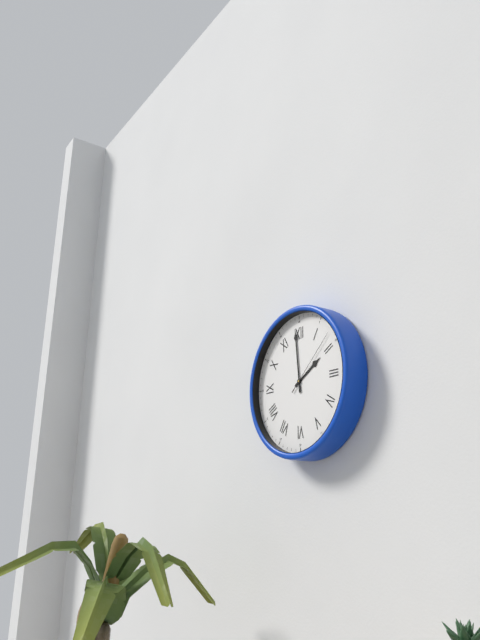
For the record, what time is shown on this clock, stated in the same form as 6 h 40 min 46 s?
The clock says 1 h 59 min 08 s
